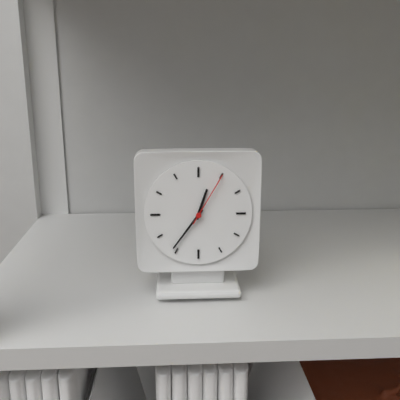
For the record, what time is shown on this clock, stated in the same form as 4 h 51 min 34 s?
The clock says 12 h 36 min 05 s
